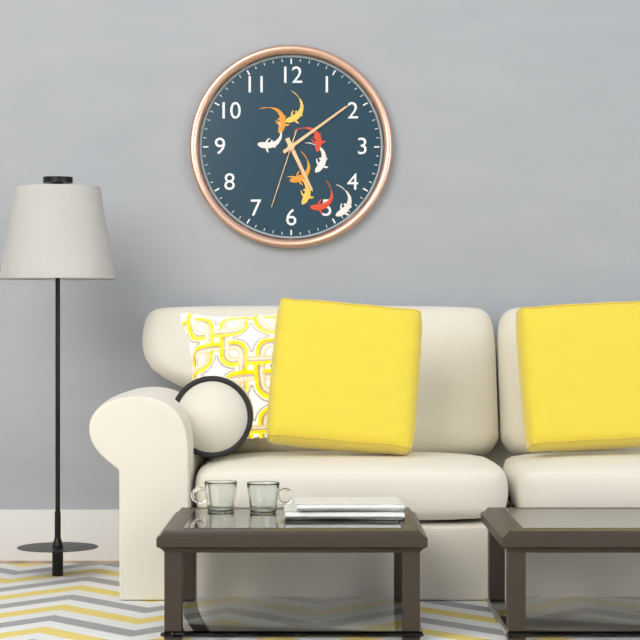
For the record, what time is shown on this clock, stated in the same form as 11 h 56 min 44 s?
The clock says 5 h 09 min 33 s
